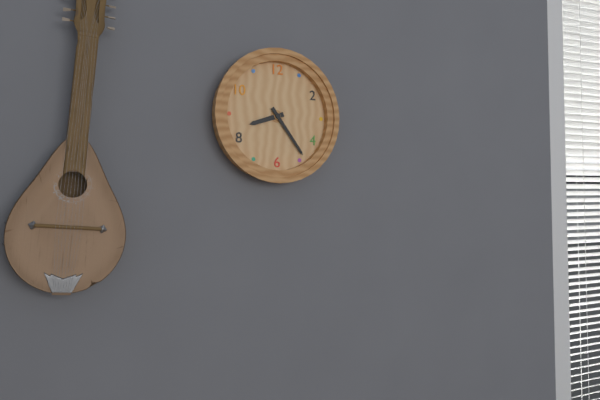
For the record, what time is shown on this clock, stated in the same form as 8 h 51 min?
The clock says 8 h 24 min
